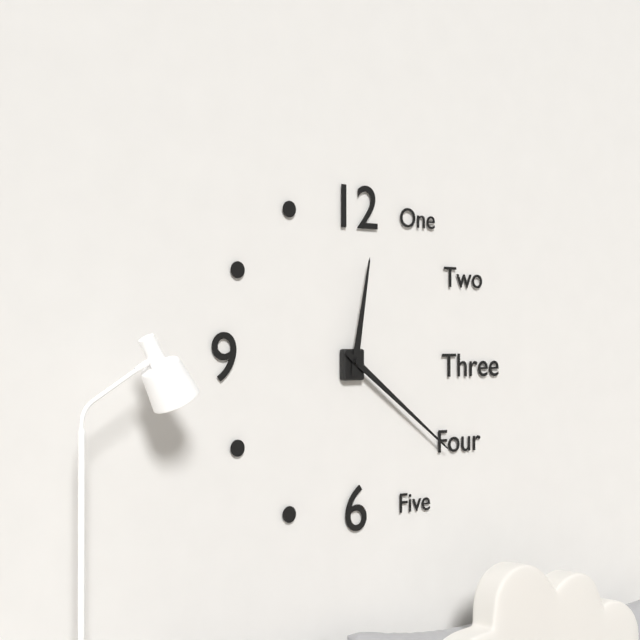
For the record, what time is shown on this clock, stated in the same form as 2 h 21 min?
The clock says 12 h 21 min
